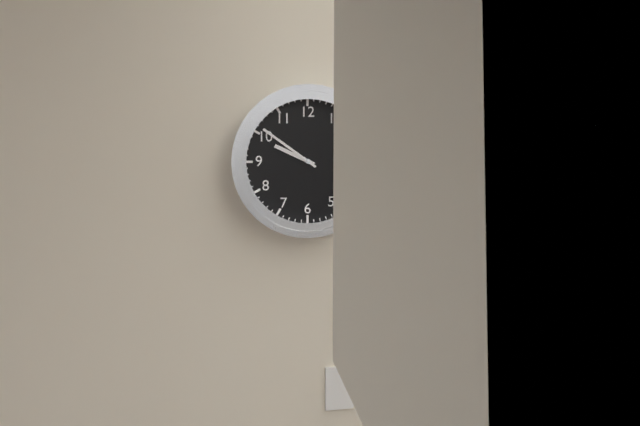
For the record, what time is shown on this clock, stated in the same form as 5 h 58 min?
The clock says 9 h 51 min
